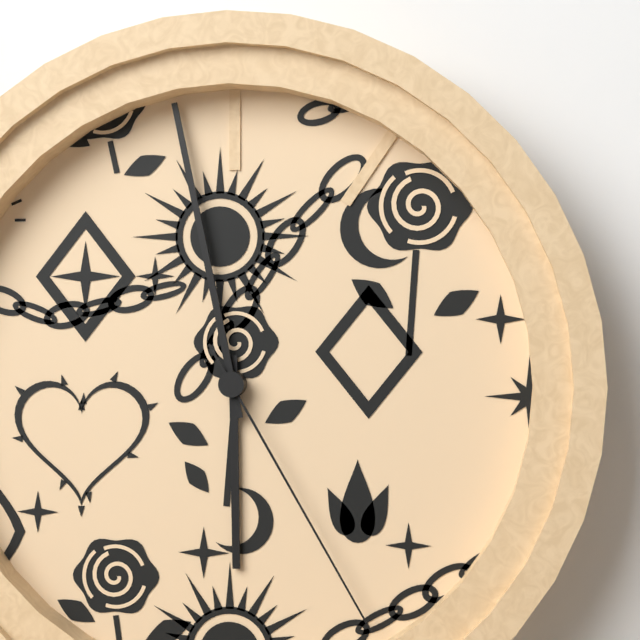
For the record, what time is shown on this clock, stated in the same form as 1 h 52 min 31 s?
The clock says 5 h 58 min 25 s
